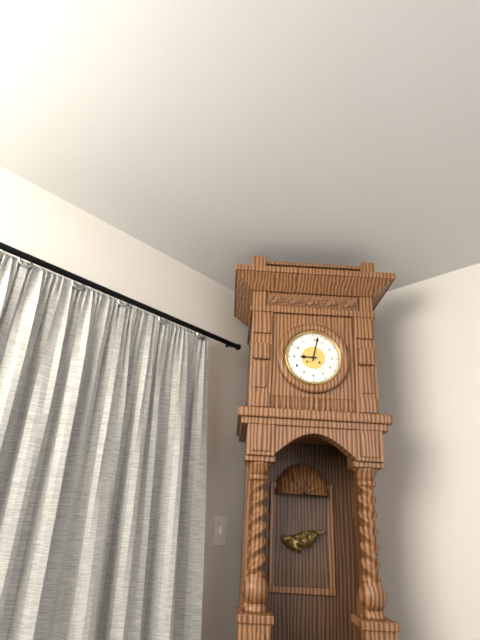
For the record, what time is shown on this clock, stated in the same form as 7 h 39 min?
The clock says 9 h 02 min
